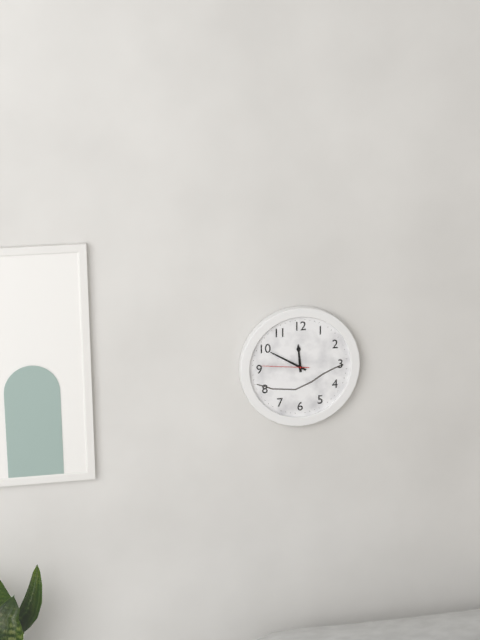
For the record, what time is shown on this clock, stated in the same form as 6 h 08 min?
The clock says 11 h 50 min
